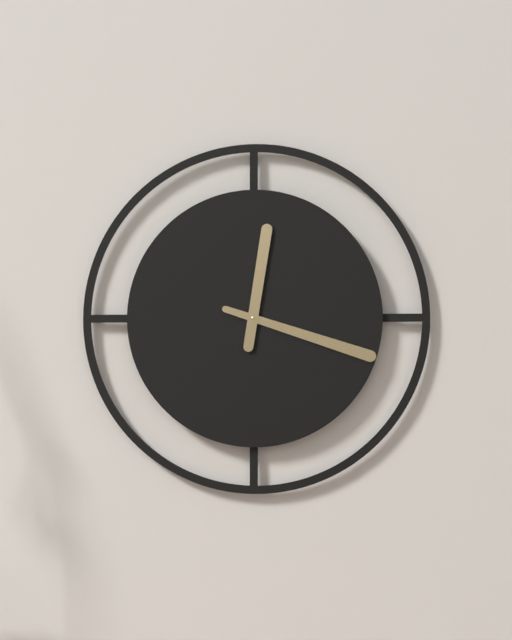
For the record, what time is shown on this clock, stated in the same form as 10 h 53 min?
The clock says 12 h 18 min
